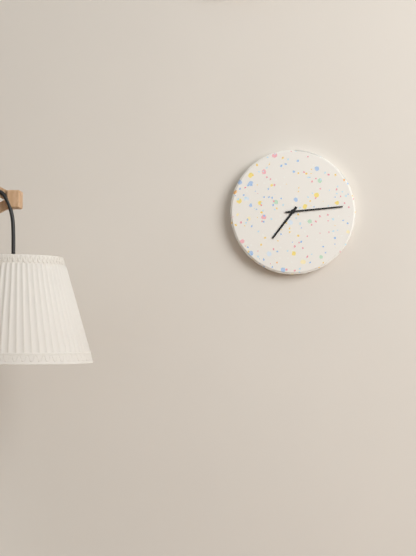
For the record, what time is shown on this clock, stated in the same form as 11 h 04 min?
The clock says 7 h 14 min
